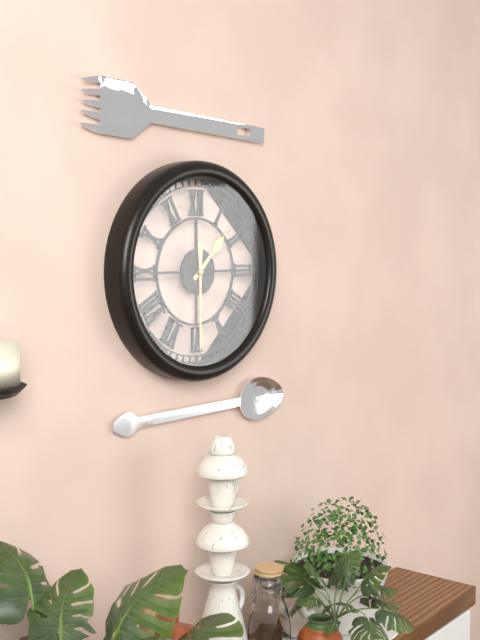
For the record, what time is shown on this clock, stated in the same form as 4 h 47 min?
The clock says 1 h 30 min
